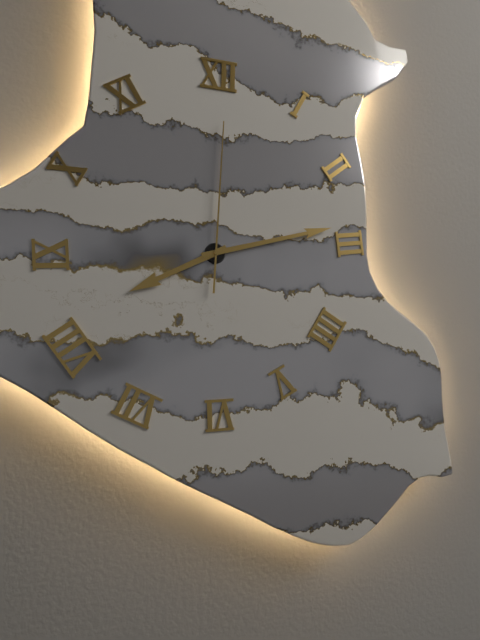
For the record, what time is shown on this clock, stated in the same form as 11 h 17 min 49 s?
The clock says 8 h 13 min 01 s
